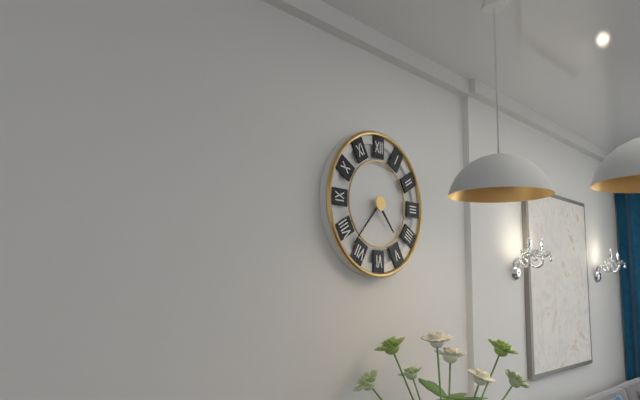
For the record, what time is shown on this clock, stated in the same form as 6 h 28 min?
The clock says 4 h 37 min
